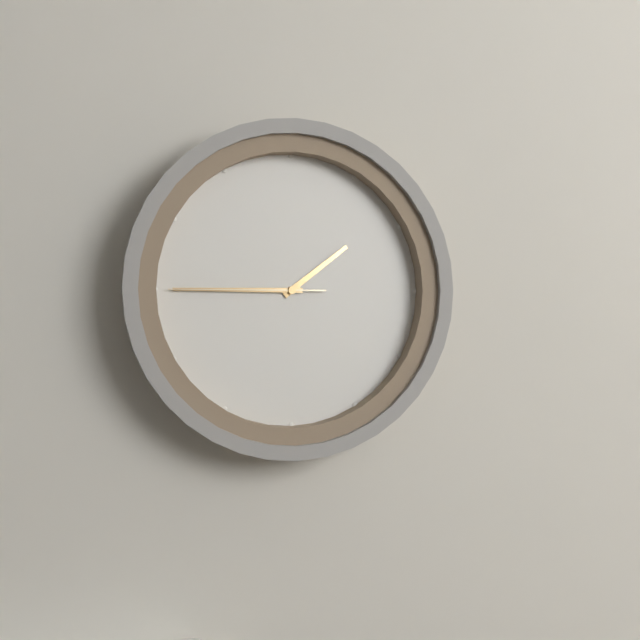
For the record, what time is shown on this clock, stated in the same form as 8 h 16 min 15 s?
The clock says 1 h 45 min 45 s
